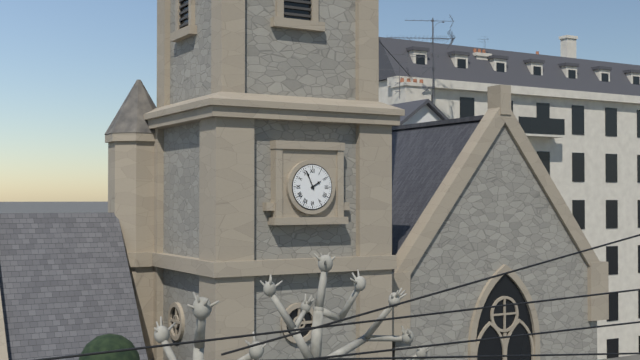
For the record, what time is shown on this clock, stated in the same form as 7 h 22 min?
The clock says 1 h 56 min
